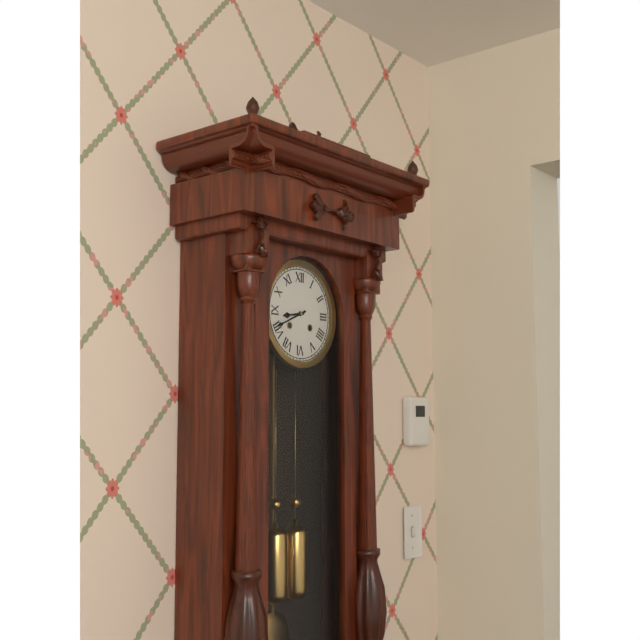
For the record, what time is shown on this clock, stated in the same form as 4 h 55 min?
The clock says 8 h 41 min
